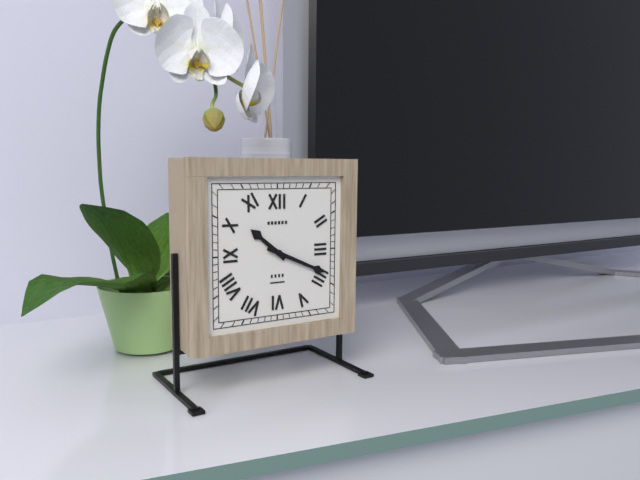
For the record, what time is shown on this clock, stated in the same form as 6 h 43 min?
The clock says 10 h 19 min
